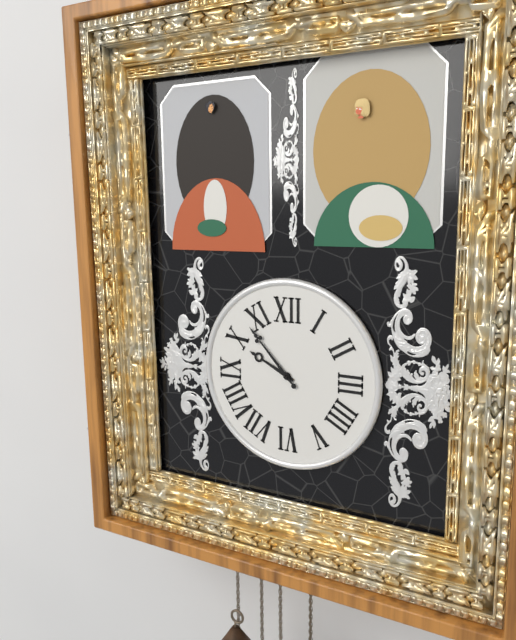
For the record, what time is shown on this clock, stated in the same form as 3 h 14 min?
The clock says 9 h 53 min
